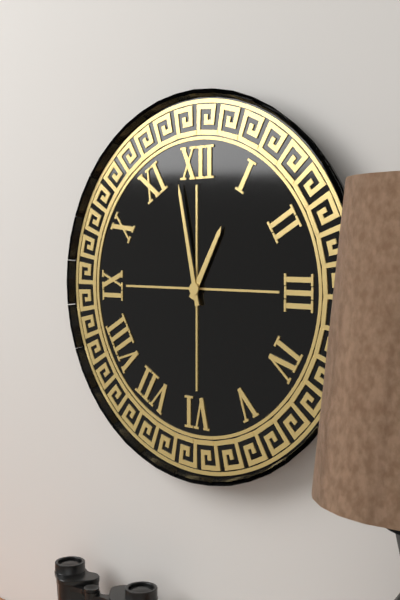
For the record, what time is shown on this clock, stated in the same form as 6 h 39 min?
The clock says 12 h 58 min
